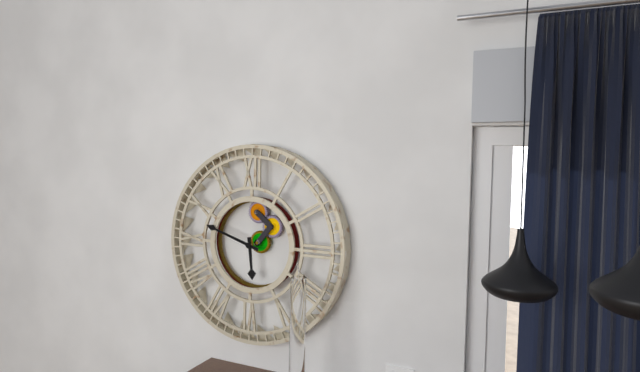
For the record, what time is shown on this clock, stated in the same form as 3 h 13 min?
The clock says 5 h 48 min
